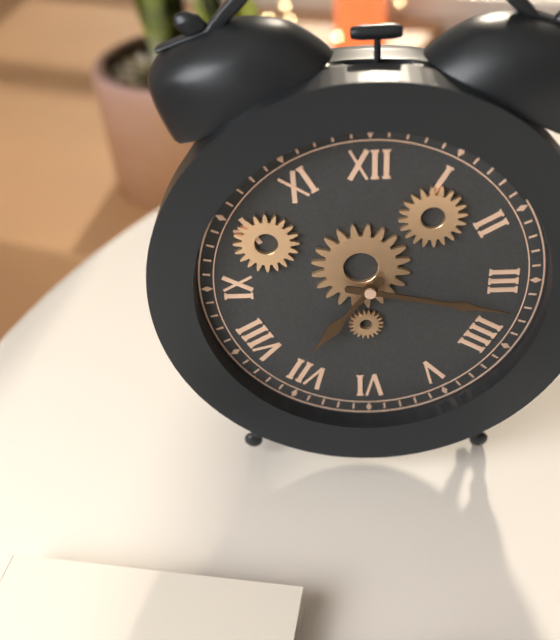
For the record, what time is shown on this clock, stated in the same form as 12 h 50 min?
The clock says 7 h 17 min
